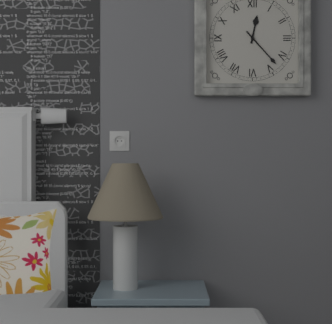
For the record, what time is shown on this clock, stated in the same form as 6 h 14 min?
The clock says 12 h 23 min
